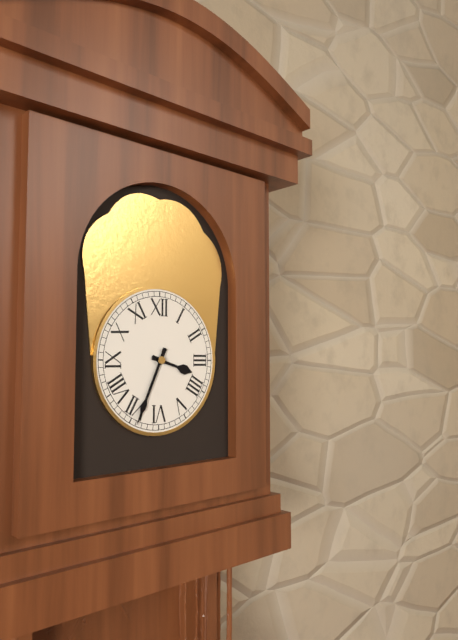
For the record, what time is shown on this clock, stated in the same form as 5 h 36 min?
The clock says 3 h 34 min
